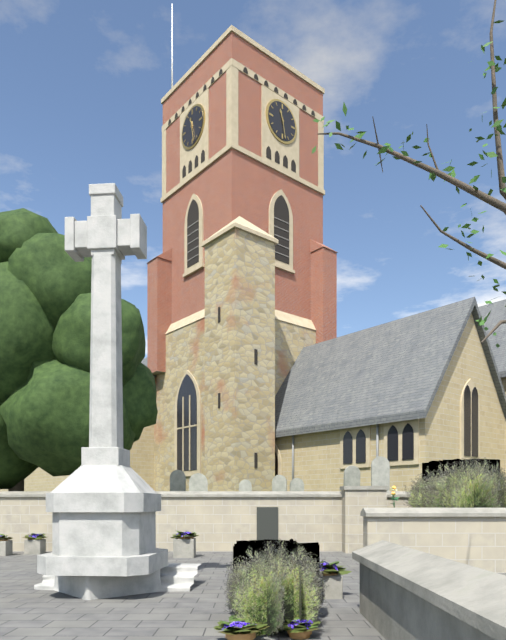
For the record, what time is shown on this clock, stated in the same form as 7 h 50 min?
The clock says 11 h 28 min
